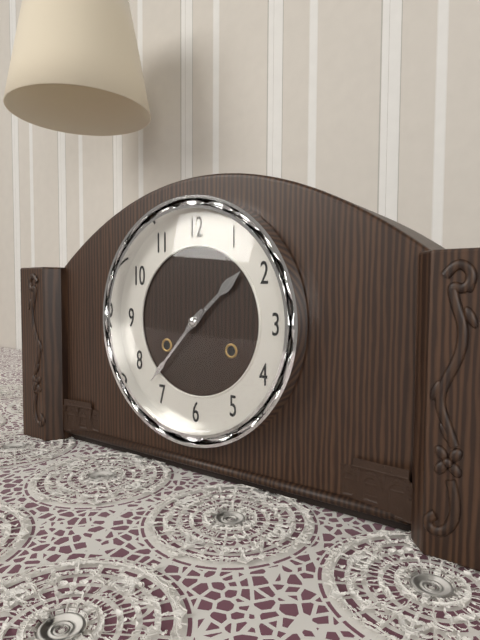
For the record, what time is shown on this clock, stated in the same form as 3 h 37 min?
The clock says 1 h 37 min
